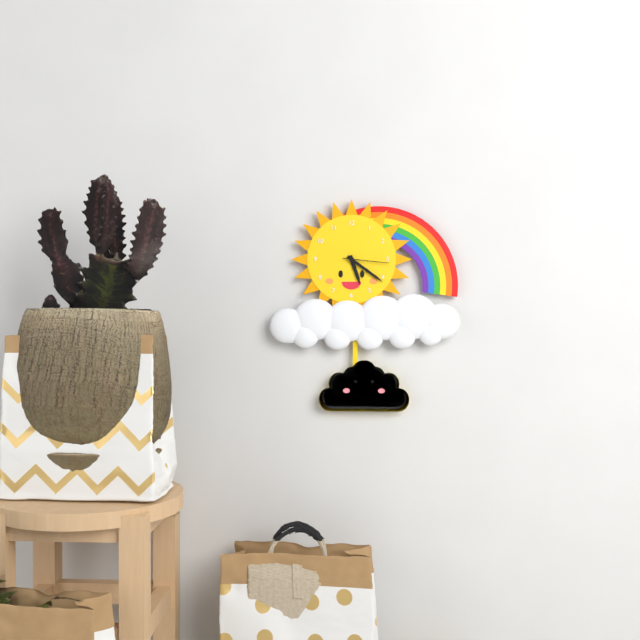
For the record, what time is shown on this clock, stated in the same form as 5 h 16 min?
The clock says 5 h 21 min
